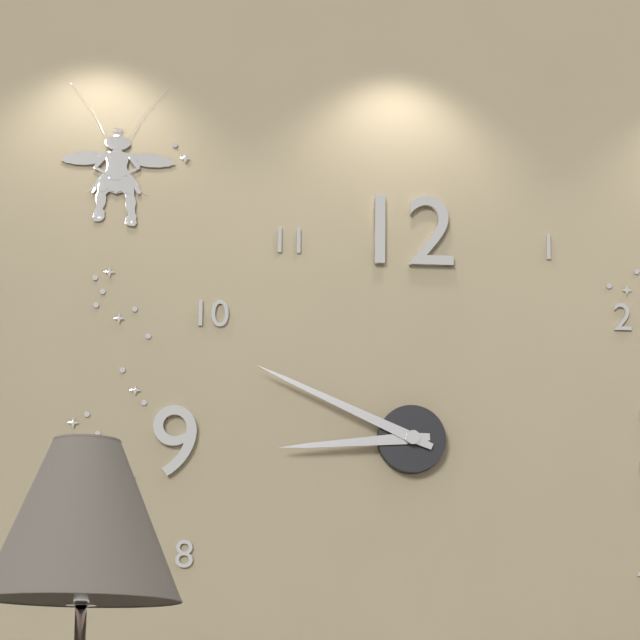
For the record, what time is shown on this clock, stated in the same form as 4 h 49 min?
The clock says 8 h 49 min
